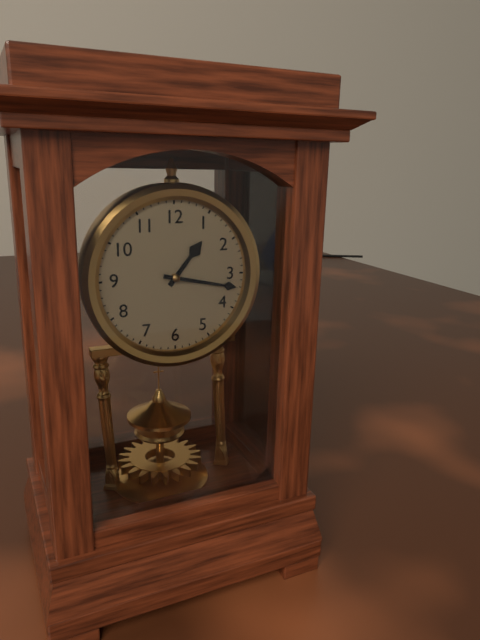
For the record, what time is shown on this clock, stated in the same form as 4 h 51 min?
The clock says 1 h 17 min
